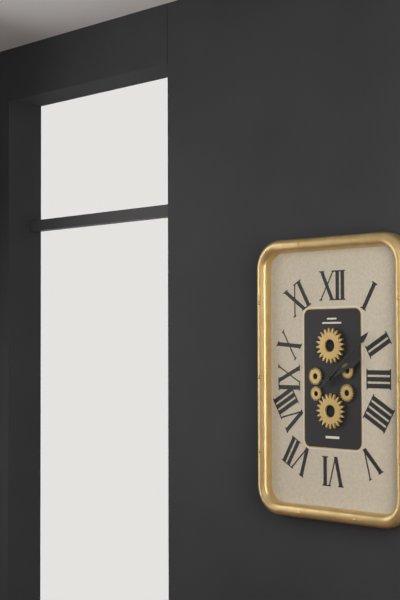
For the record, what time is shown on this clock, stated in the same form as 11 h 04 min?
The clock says 2 h 08 min
